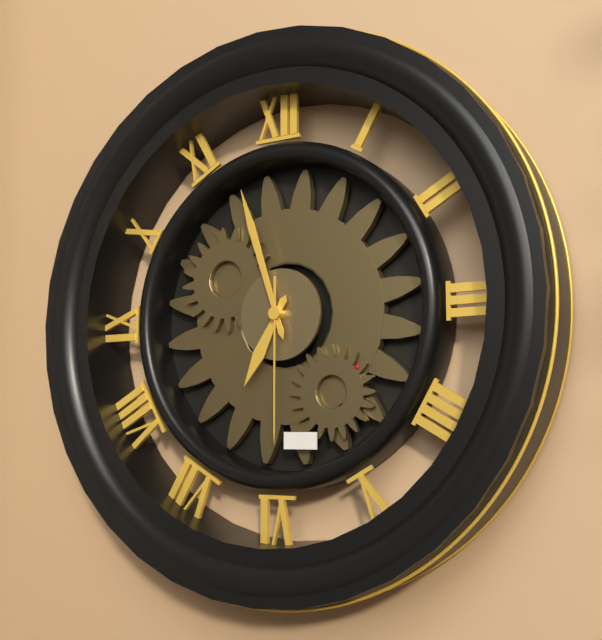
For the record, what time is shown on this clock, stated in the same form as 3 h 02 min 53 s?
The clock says 6 h 57 min 30 s
